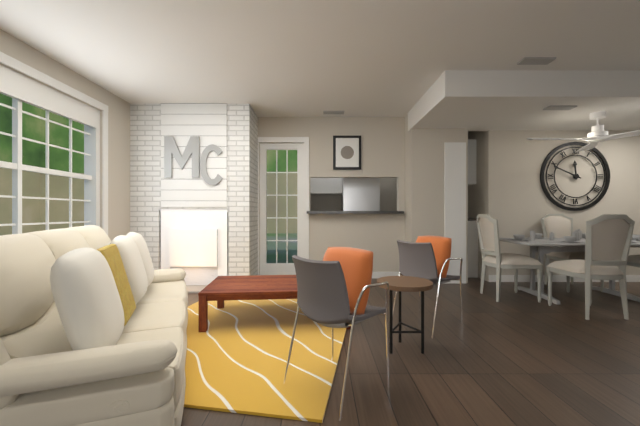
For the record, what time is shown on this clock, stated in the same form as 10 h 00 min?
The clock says 11 h 49 min
